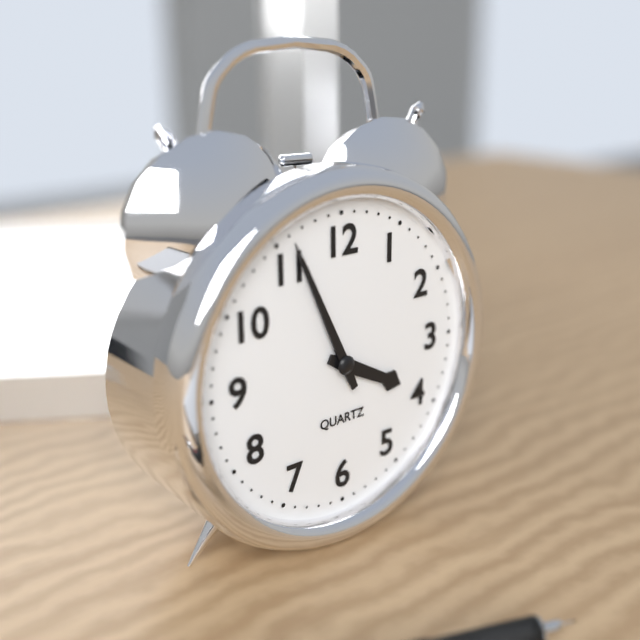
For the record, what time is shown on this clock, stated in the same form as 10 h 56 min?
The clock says 3 h 56 min
